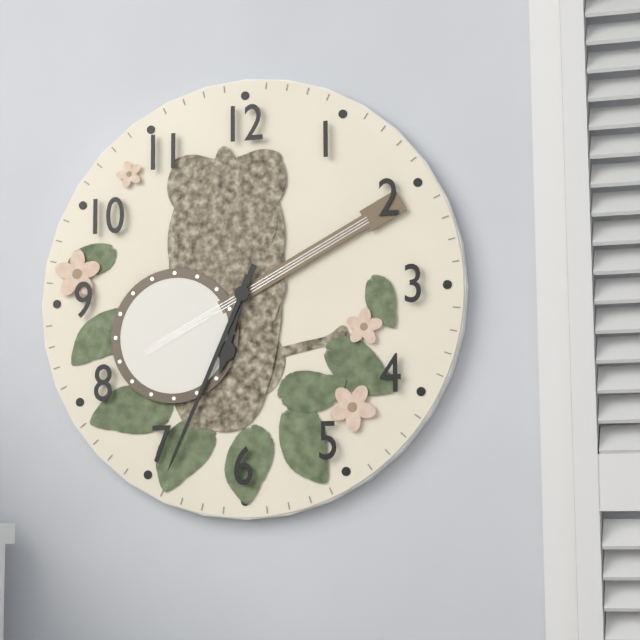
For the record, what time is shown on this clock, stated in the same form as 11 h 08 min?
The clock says 6 h 34 min
